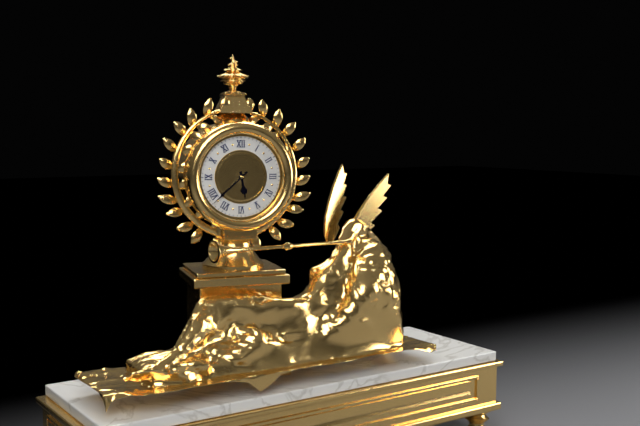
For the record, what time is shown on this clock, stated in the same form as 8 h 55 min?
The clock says 5 h 38 min
